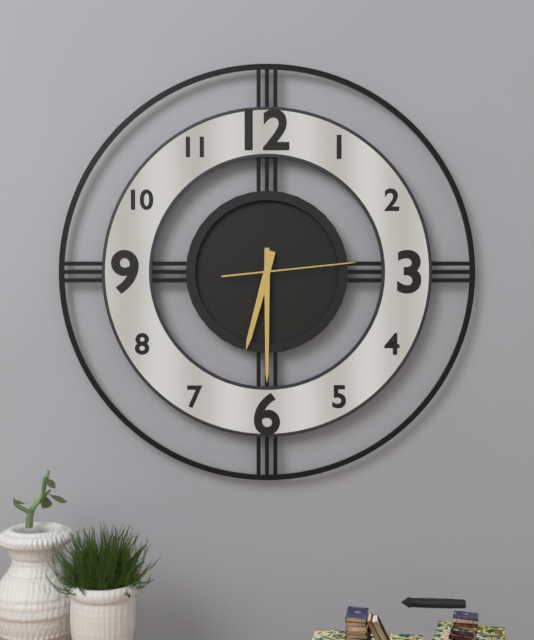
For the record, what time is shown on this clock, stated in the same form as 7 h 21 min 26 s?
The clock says 6 h 30 min 14 s
